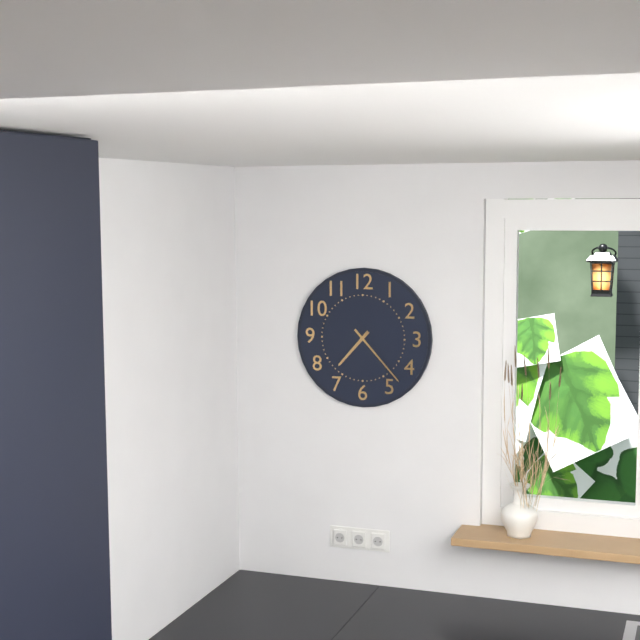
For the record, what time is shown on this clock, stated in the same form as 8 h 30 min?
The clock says 7 h 23 min
